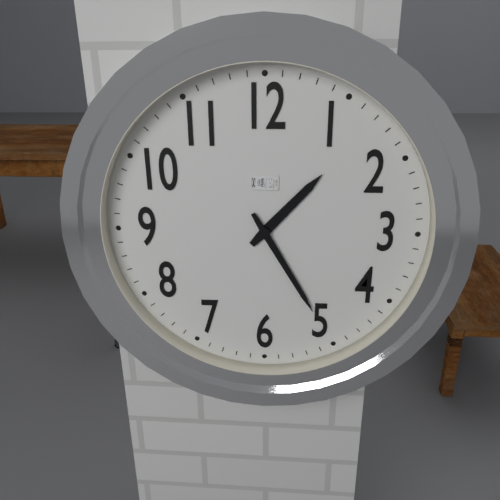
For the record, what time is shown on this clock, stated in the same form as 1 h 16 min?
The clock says 1 h 25 min
